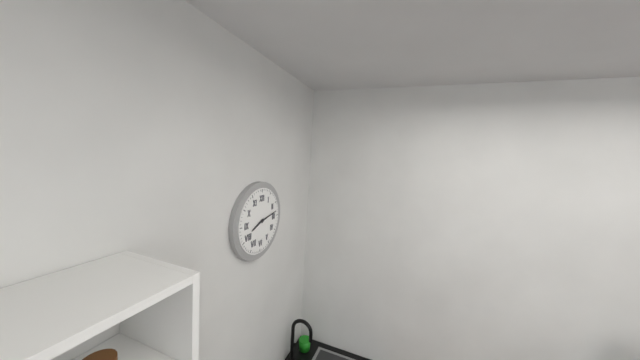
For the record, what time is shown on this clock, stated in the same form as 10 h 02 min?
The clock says 8 h 13 min
